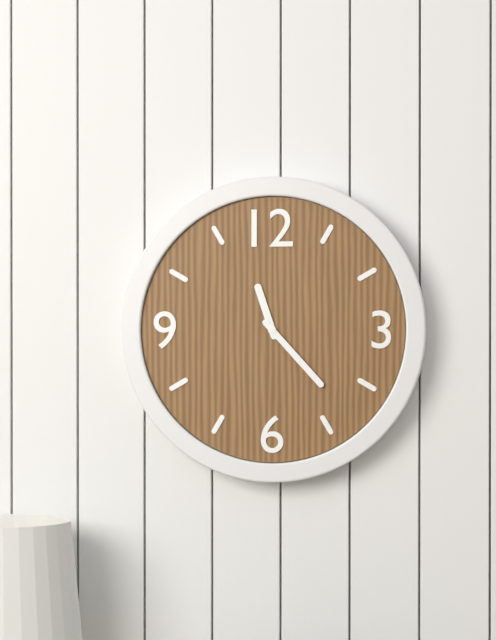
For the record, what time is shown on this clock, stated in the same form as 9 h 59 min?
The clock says 11 h 23 min
